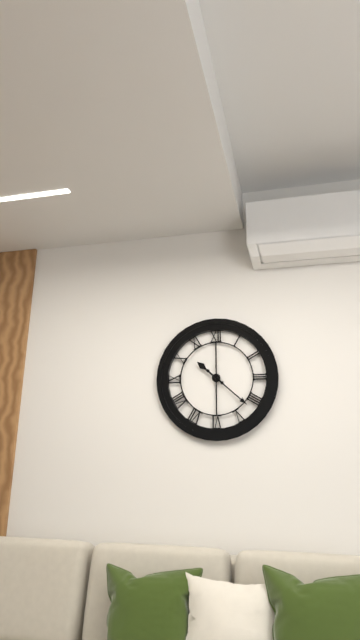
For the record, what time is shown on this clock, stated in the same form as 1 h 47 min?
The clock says 10 h 22 min
